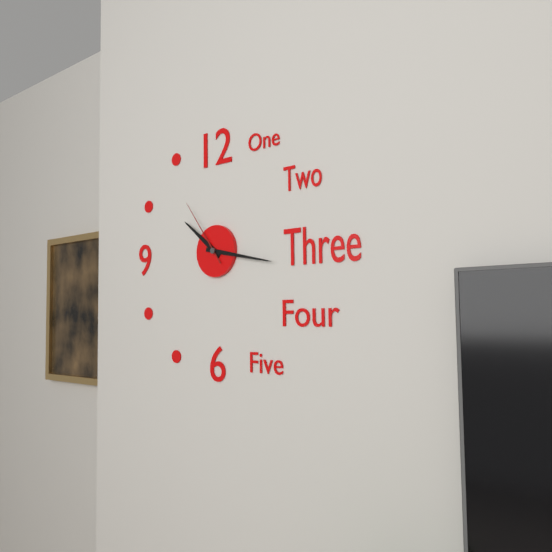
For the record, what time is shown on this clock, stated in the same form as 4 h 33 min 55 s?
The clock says 10 h 17 min 54 s
